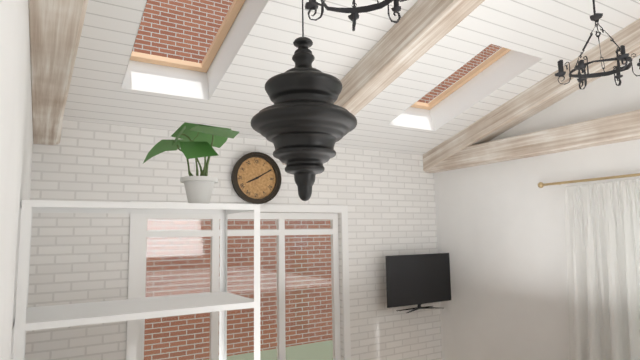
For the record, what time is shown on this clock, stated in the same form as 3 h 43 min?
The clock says 8 h 10 min
